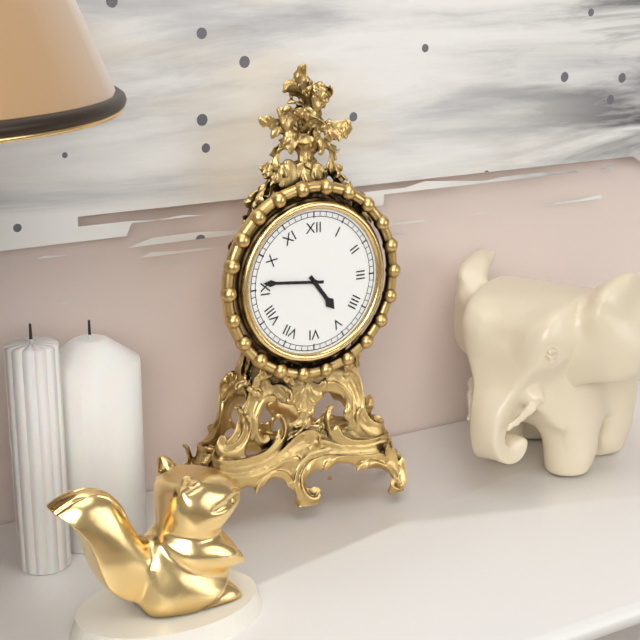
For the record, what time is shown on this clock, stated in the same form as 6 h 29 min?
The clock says 4 h 46 min
